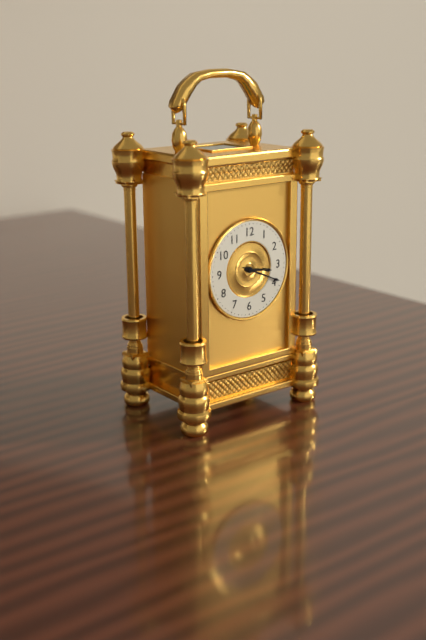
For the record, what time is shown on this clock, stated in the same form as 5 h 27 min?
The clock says 3 h 19 min
